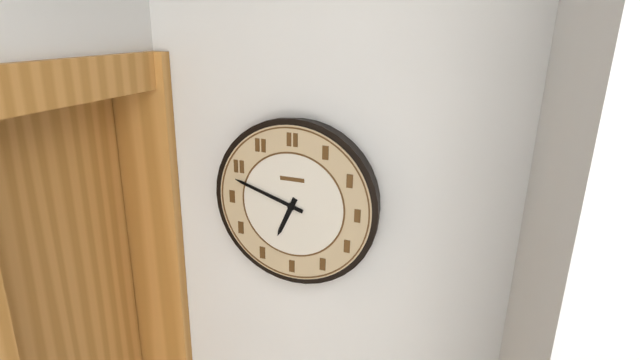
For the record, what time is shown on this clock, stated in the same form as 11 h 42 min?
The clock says 6 h 48 min
